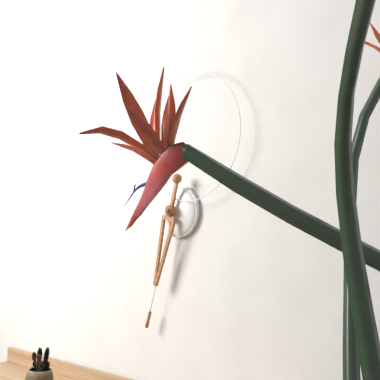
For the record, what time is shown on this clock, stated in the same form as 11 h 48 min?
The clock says 6 h 33 min
